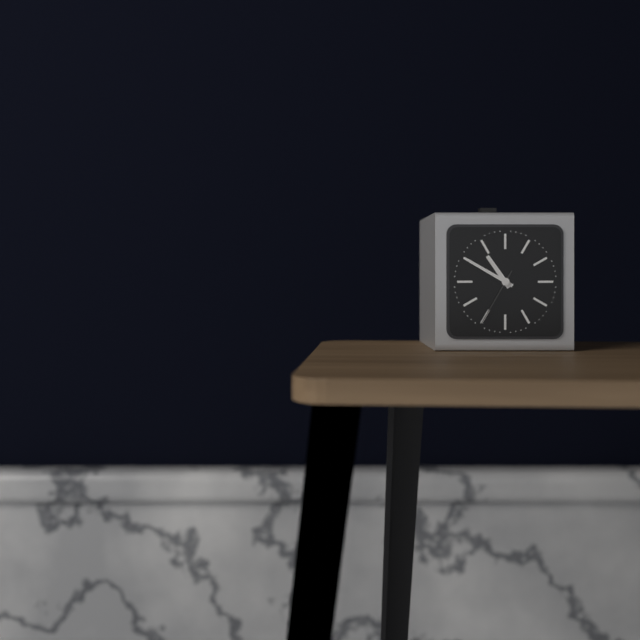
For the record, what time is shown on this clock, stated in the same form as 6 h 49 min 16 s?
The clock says 10 h 50 min 35 s
